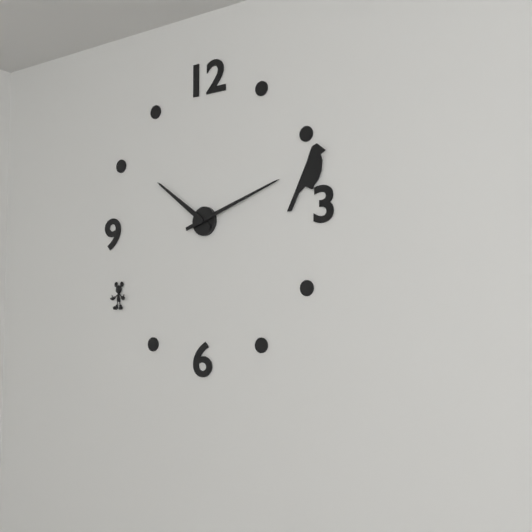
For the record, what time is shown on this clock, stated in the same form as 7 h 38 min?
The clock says 10 h 12 min
